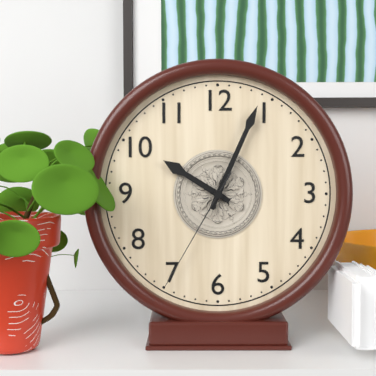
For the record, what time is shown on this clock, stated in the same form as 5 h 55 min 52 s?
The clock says 10 h 04 min 35 s
